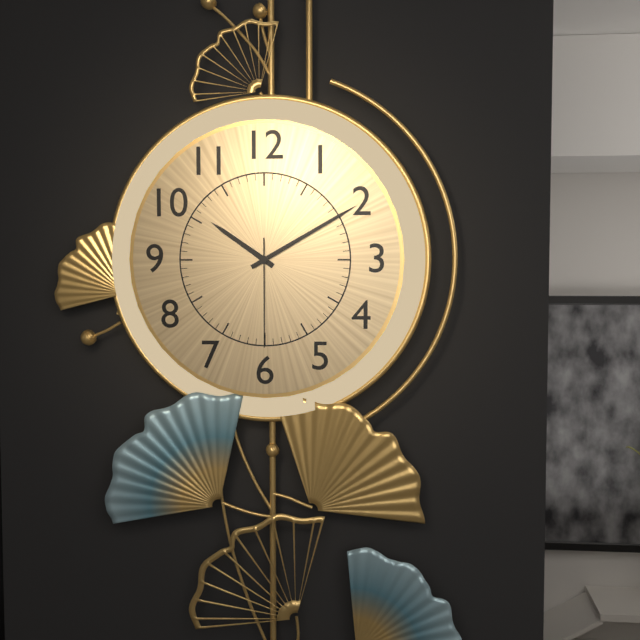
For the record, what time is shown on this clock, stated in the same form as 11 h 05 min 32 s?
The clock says 10 h 10 min 30 s
